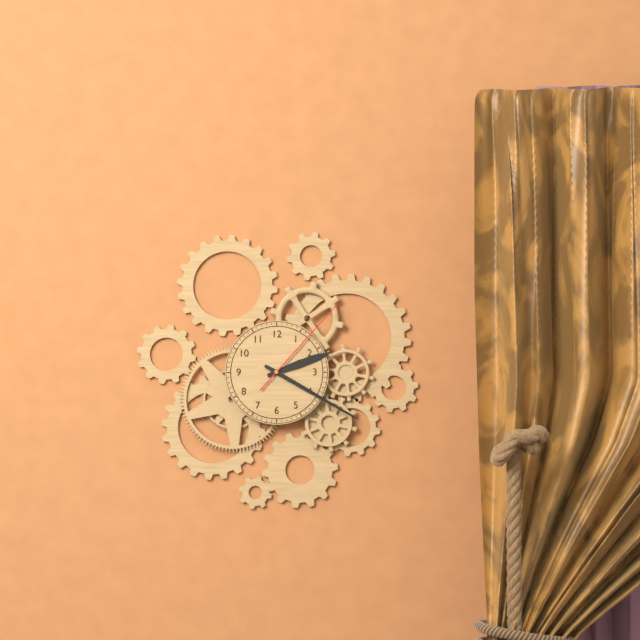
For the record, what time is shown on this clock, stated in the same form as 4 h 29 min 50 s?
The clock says 2 h 20 min 07 s
